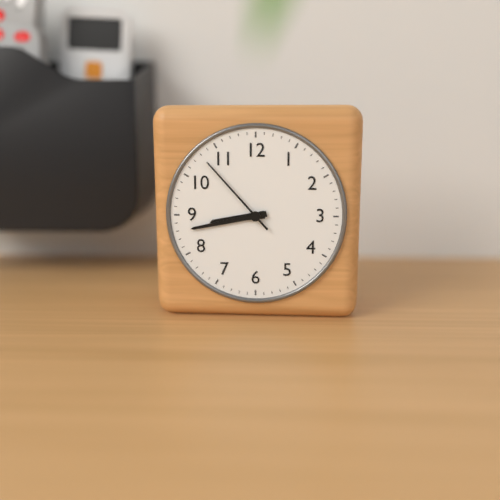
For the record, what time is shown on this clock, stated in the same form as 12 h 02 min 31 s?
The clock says 8 h 43 min 53 s
